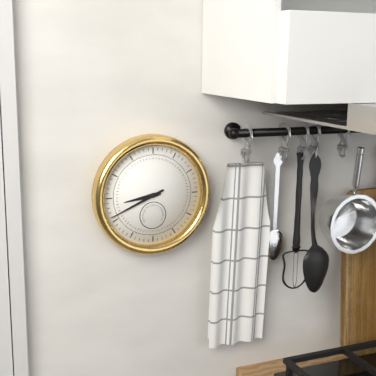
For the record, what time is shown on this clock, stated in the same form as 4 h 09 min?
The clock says 8 h 41 min
